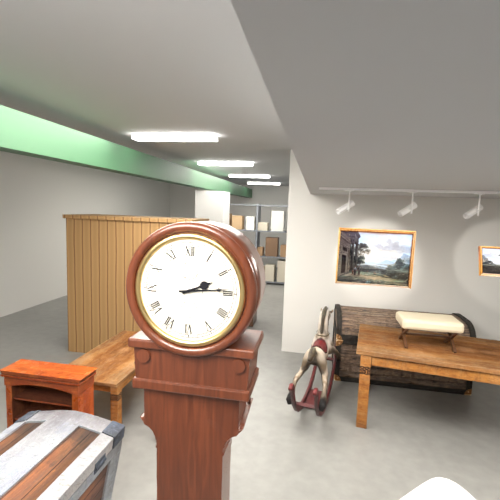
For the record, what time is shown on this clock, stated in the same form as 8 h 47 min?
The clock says 2 h 14 min
